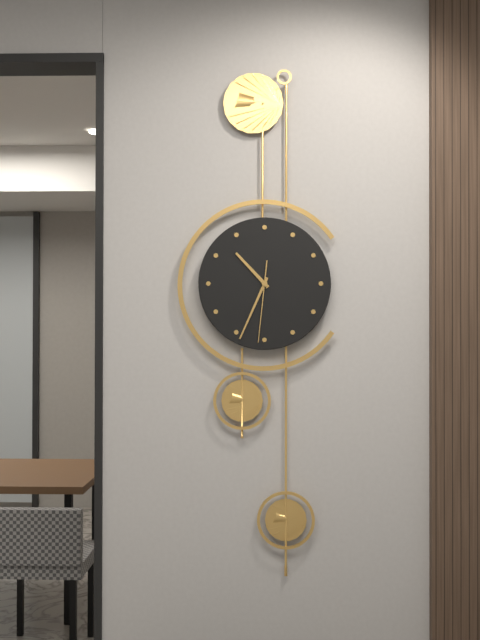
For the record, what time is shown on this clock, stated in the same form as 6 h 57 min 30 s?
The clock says 10 h 34 min 31 s
